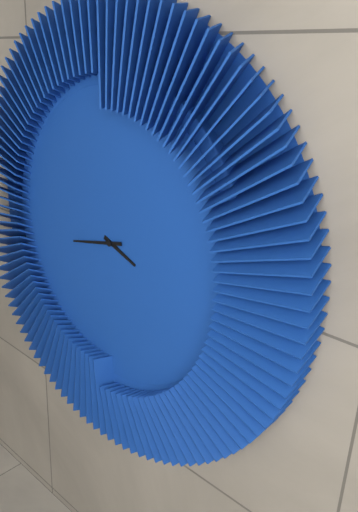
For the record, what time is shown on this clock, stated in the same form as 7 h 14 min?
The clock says 3 h 43 min
